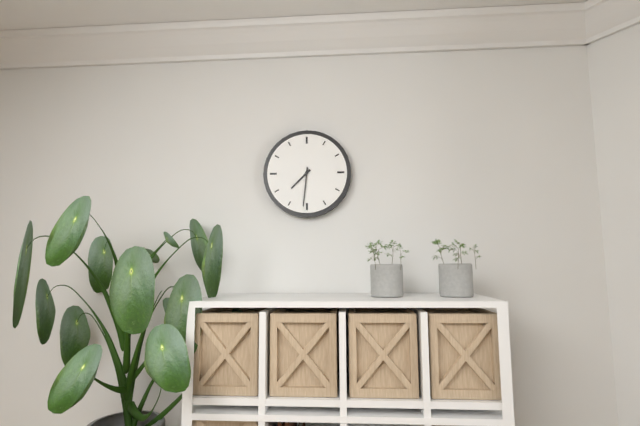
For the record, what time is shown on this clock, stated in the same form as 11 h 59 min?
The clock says 7 h 31 min
